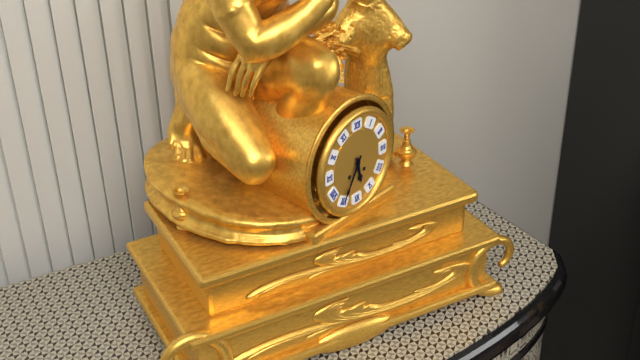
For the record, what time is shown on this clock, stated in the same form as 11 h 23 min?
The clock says 5 h 35 min
